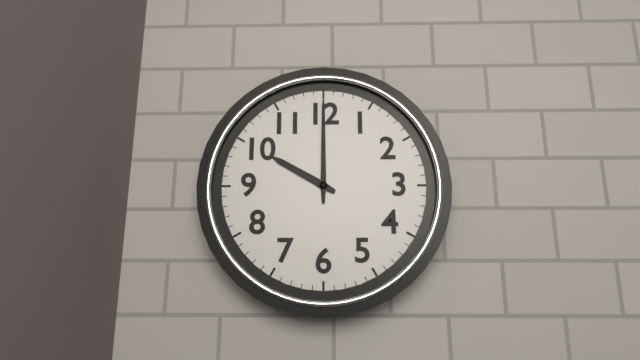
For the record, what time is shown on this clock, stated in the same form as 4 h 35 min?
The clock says 10 h 00 min
